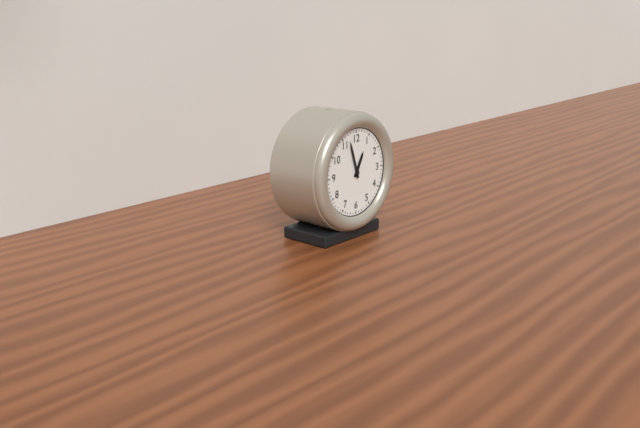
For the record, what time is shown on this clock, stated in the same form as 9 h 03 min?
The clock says 12 h 57 min
